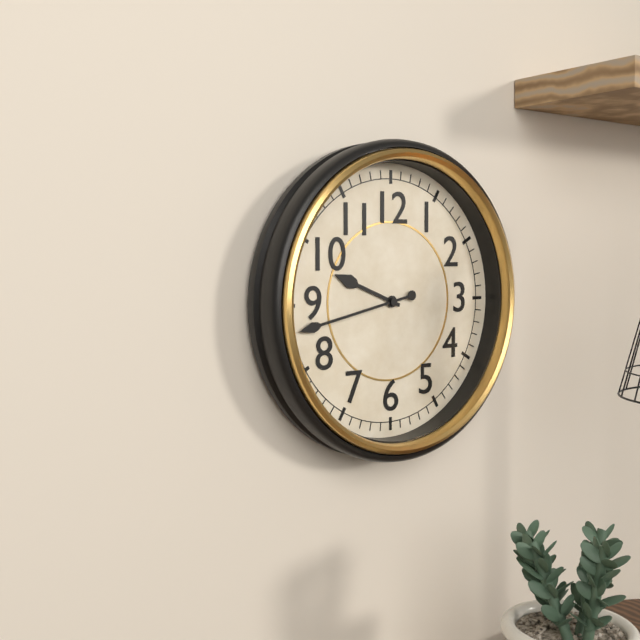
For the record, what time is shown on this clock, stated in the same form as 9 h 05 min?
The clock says 9 h 43 min
